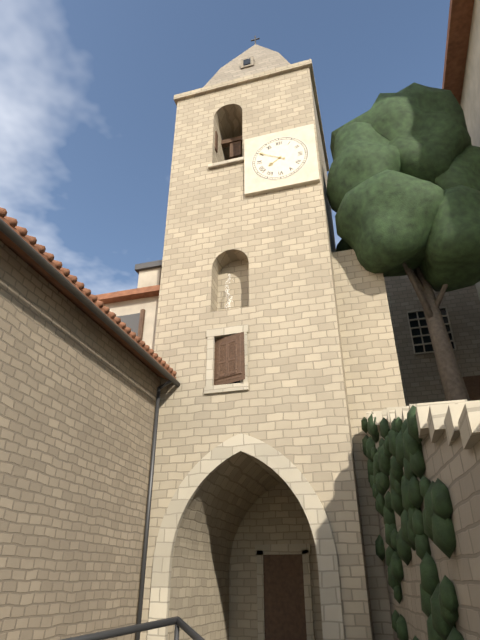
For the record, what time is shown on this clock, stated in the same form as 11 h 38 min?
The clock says 7 h 50 min
